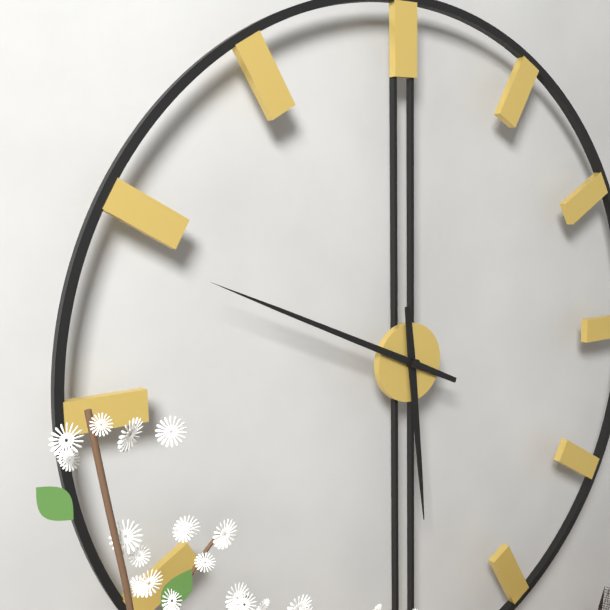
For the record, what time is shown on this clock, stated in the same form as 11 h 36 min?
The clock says 5 h 49 min
